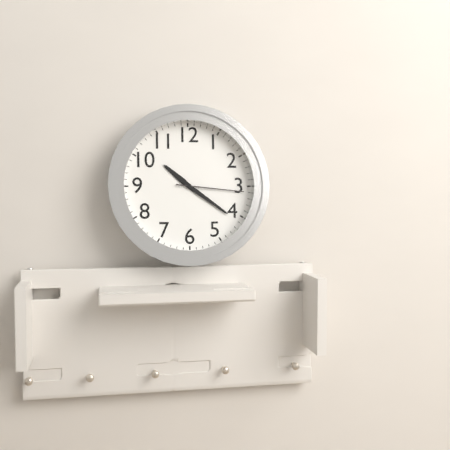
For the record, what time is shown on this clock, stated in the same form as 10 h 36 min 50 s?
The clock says 10 h 21 min 16 s
